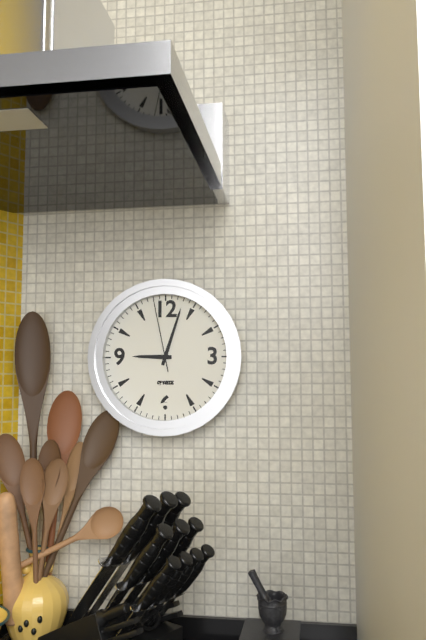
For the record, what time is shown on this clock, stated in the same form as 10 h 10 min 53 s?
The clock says 9 h 03 min 58 s
